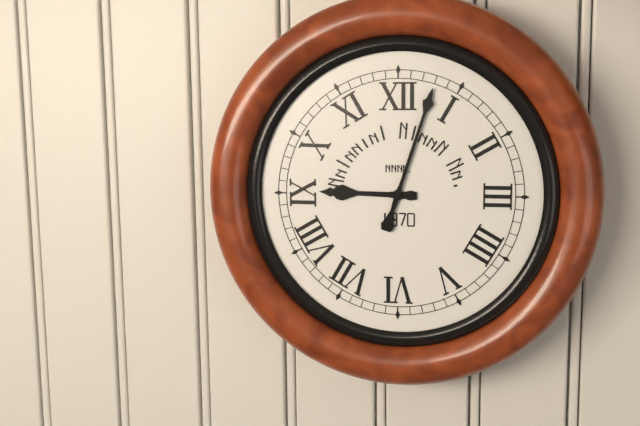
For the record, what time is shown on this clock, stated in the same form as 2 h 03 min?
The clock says 9 h 03 min
